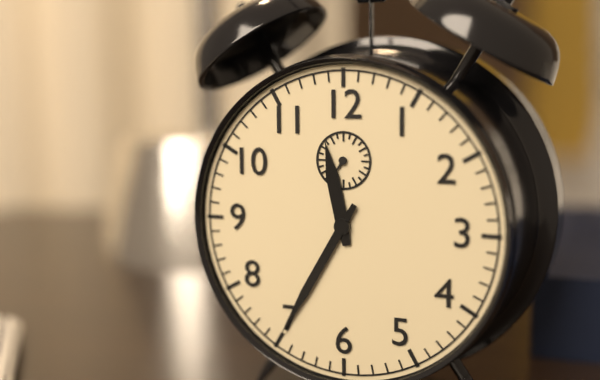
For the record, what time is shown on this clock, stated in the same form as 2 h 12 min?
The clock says 11 h 35 min
